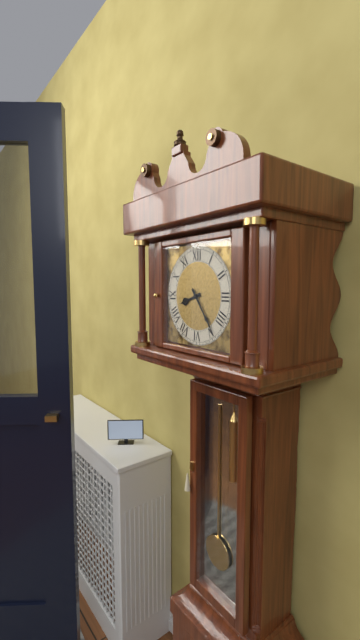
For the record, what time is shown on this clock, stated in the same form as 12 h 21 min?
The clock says 8 h 24 min
